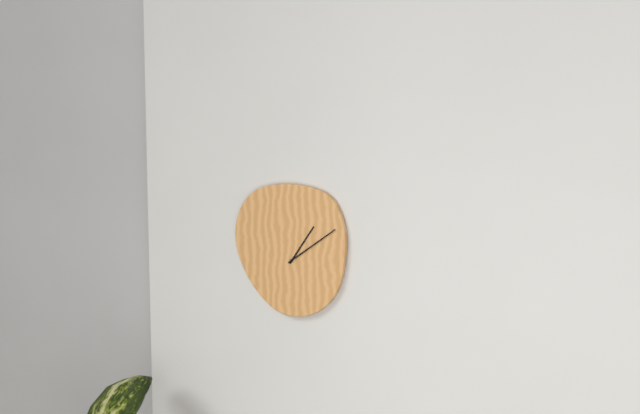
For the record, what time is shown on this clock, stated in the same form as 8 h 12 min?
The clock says 1 h 09 min
